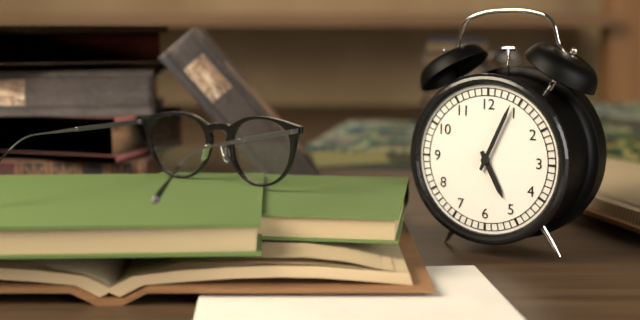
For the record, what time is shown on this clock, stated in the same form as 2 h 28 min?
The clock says 5 h 04 min
